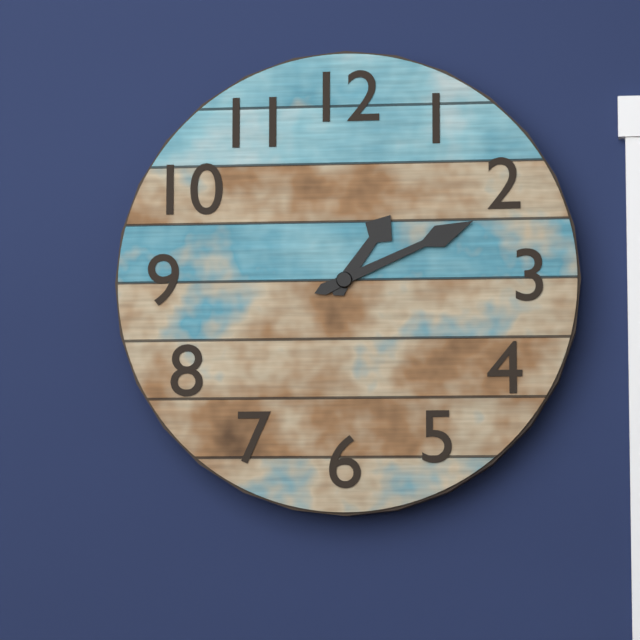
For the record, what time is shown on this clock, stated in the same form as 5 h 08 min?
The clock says 1 h 11 min
